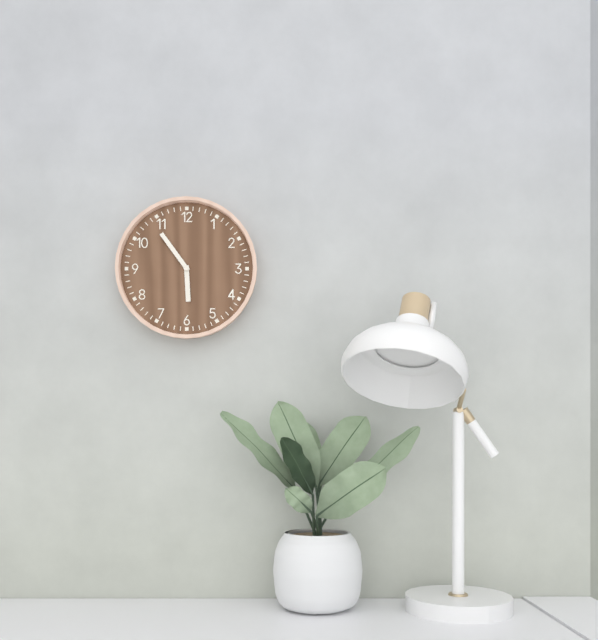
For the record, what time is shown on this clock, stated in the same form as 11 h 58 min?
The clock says 5 h 54 min
